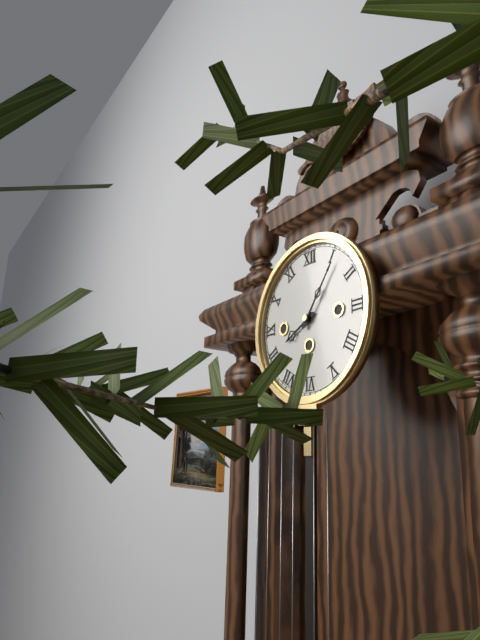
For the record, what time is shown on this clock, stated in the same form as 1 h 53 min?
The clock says 8 h 06 min
